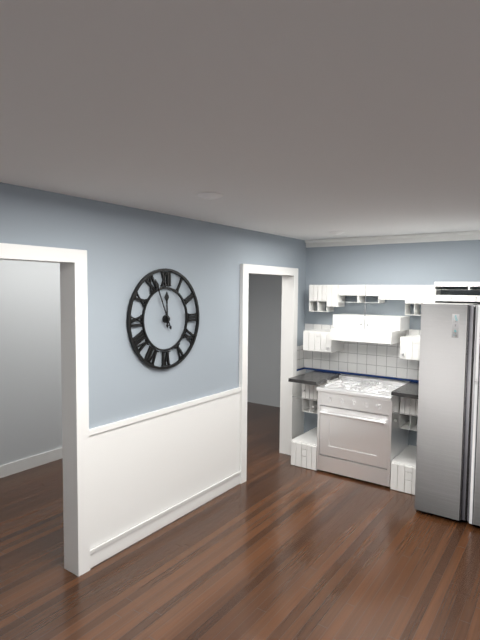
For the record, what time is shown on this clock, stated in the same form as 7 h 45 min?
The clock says 11 h 56 min
